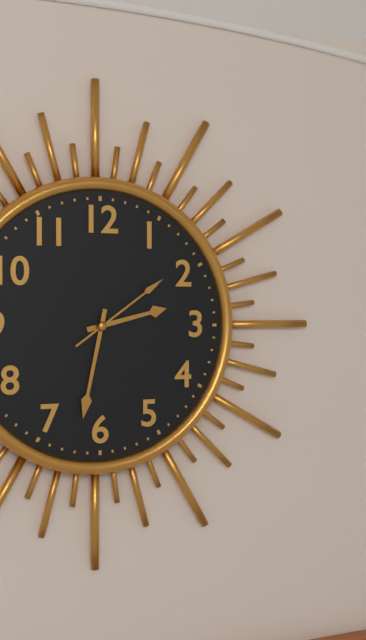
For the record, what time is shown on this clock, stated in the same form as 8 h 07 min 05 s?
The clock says 2 h 32 min 09 s
